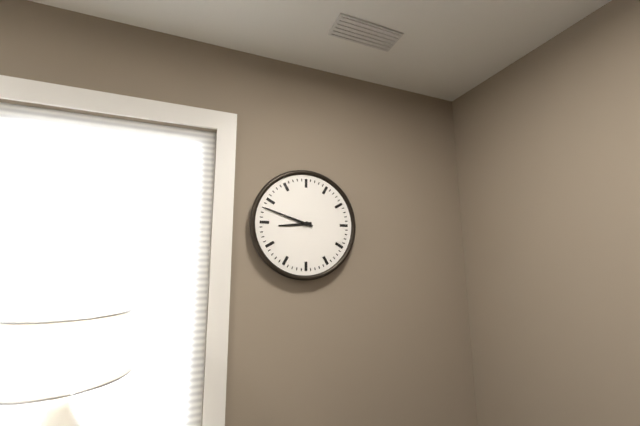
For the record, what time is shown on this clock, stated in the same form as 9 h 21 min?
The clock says 8 h 48 min
